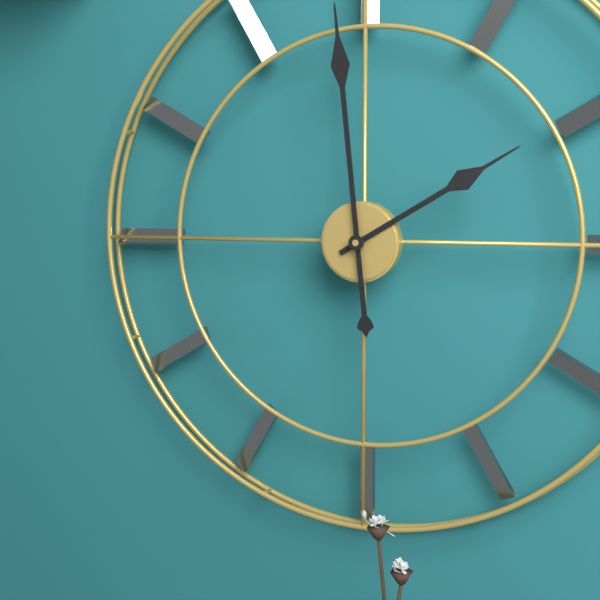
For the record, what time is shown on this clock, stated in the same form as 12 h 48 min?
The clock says 1 h 59 min
